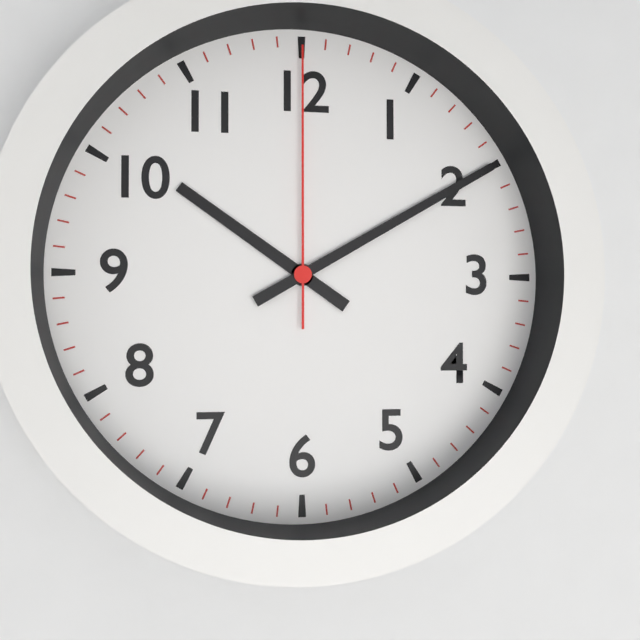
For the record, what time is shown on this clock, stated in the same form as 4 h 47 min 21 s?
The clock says 10 h 10 min 00 s
